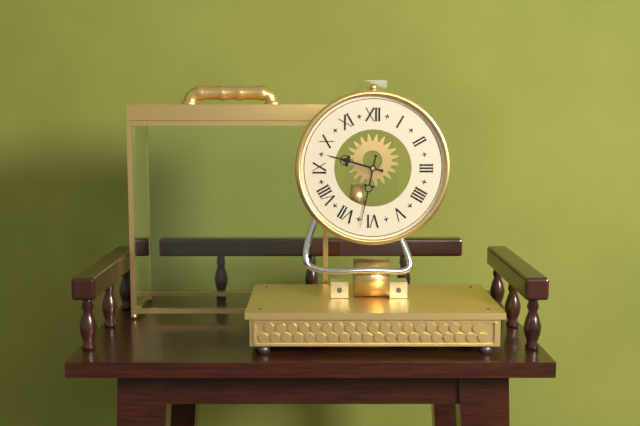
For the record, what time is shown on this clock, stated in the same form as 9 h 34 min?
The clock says 9 h 32 min
